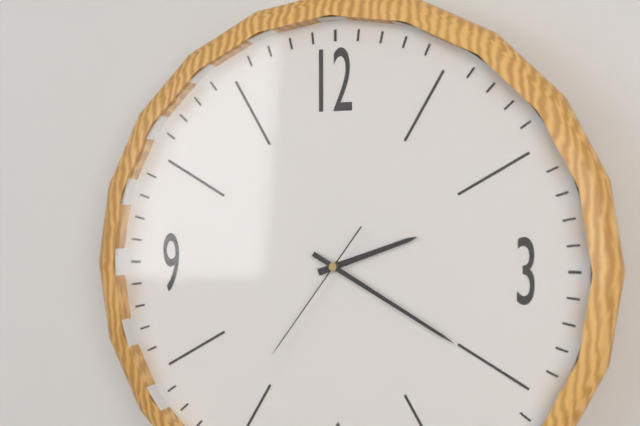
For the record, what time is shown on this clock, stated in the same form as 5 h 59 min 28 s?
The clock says 2 h 20 min 36 s
